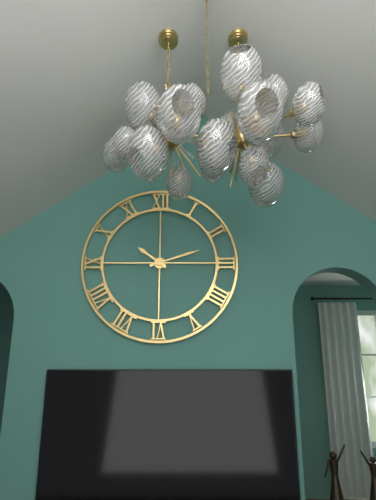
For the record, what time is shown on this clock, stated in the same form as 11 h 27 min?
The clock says 10 h 12 min
